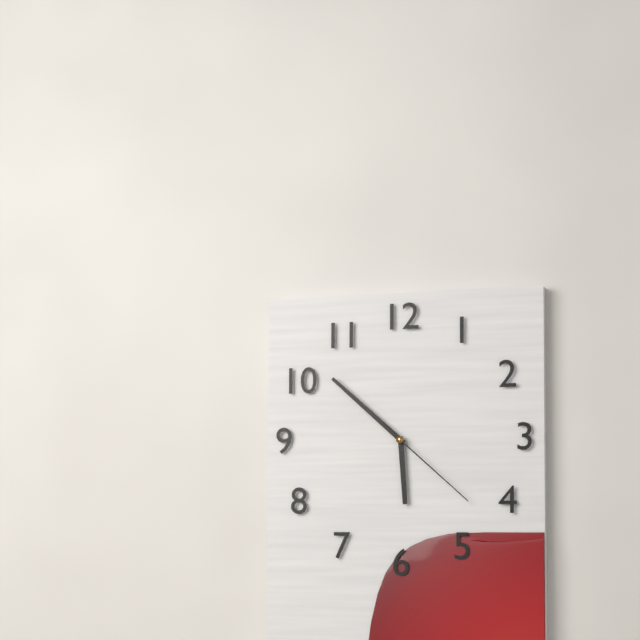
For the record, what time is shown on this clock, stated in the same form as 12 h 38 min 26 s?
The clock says 5 h 52 min 22 s
